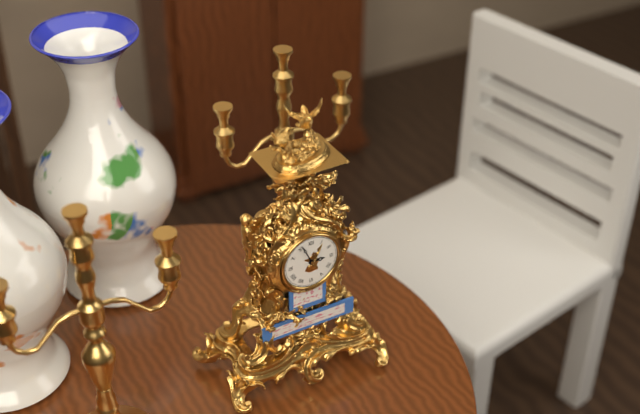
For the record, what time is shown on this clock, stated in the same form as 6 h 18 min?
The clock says 2 h 56 min
